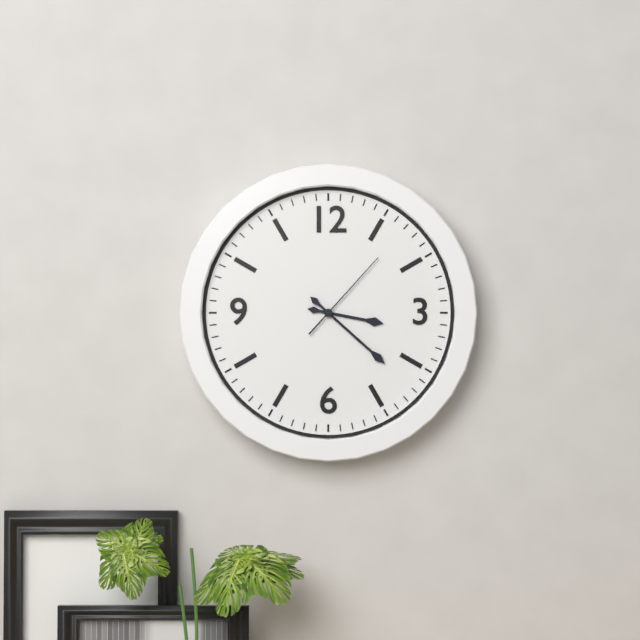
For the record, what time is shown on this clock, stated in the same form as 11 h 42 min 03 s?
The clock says 3 h 22 min 07 s
